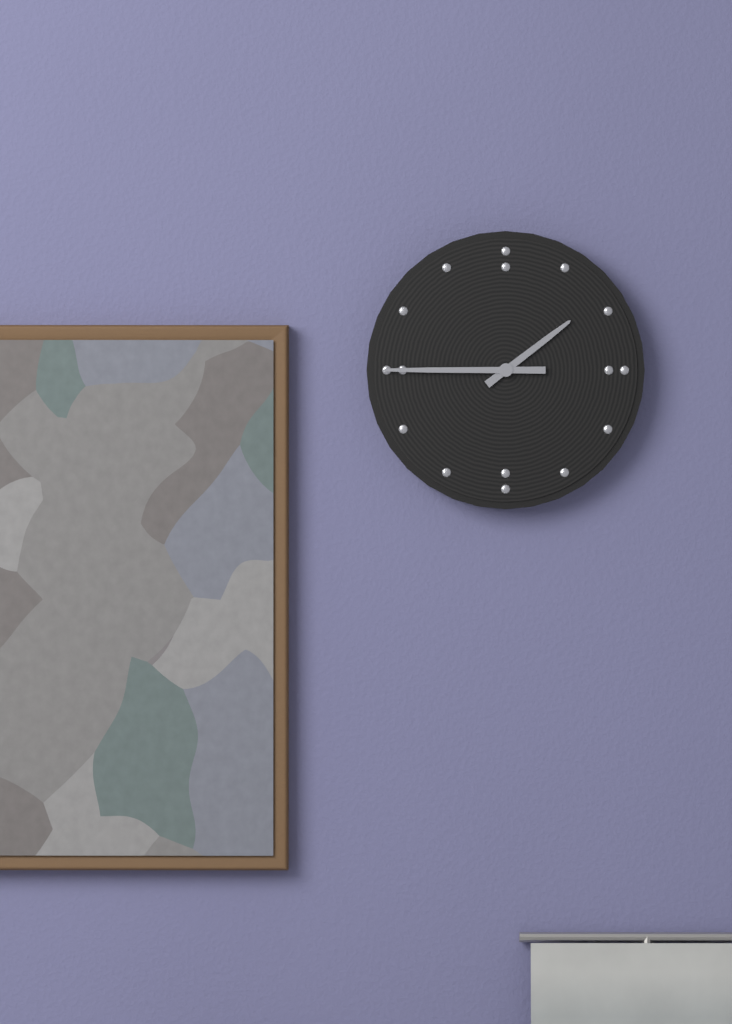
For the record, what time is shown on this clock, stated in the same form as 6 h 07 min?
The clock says 1 h 45 min
